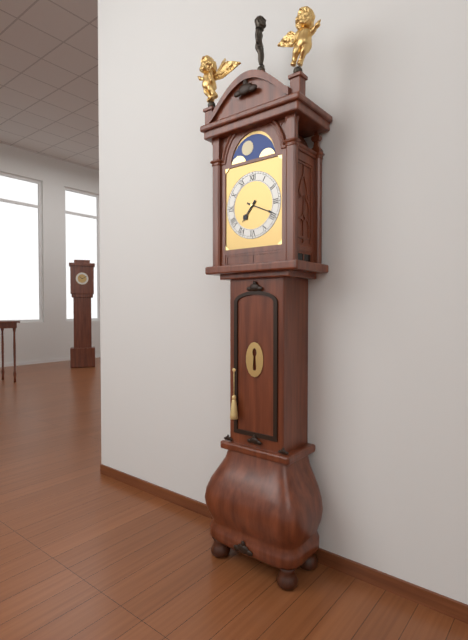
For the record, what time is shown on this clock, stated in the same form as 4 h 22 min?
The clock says 7 h 19 min
